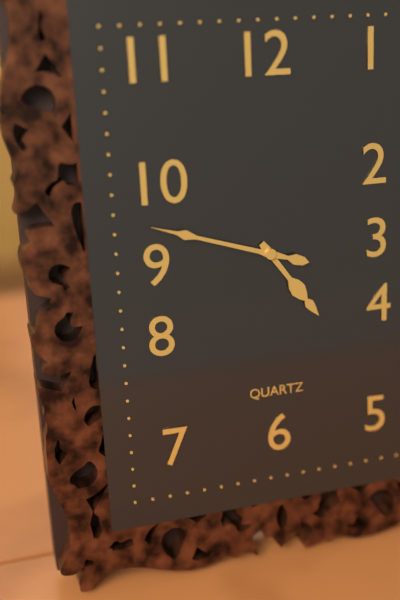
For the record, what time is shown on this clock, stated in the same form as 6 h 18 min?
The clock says 4 h 48 min
